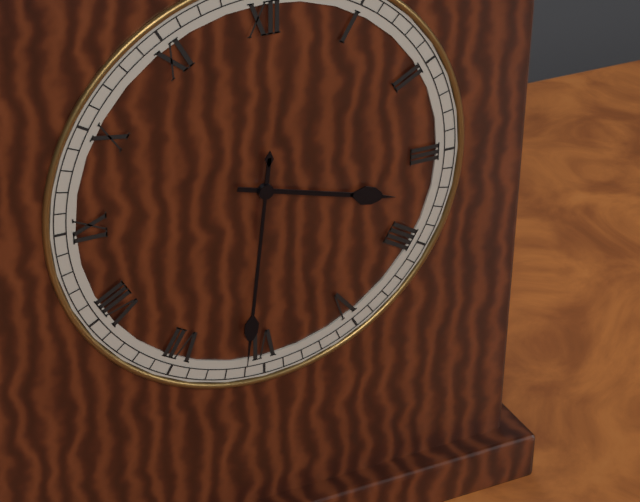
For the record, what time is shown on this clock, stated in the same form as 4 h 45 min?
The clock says 3 h 31 min
